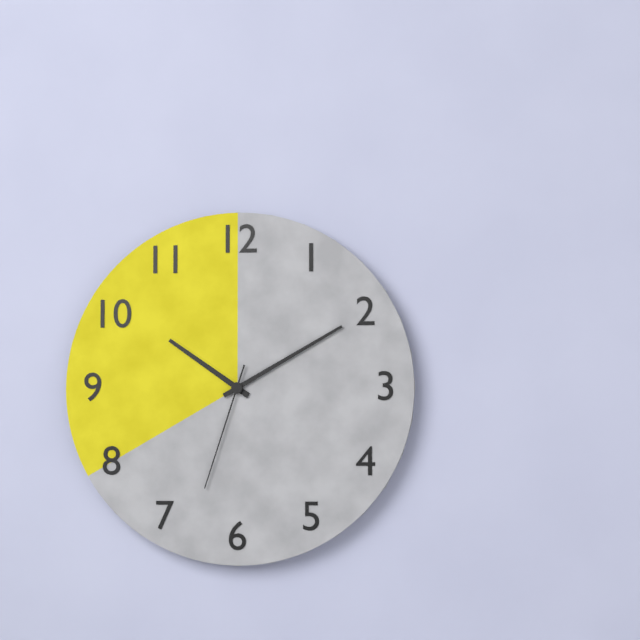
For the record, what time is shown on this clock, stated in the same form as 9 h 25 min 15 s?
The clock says 10 h 10 min 33 s
